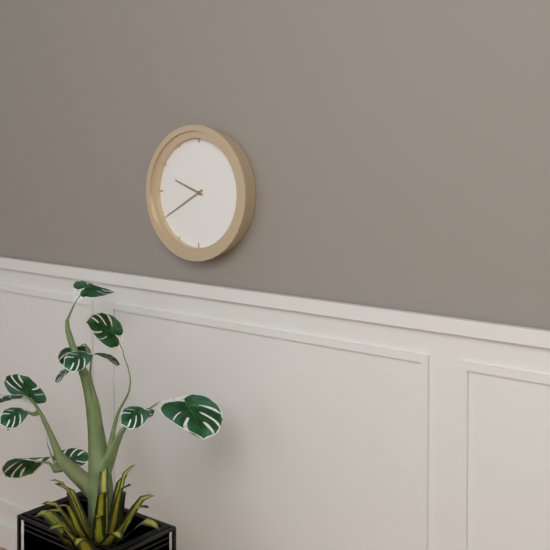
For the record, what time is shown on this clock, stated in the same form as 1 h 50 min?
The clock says 9 h 40 min
